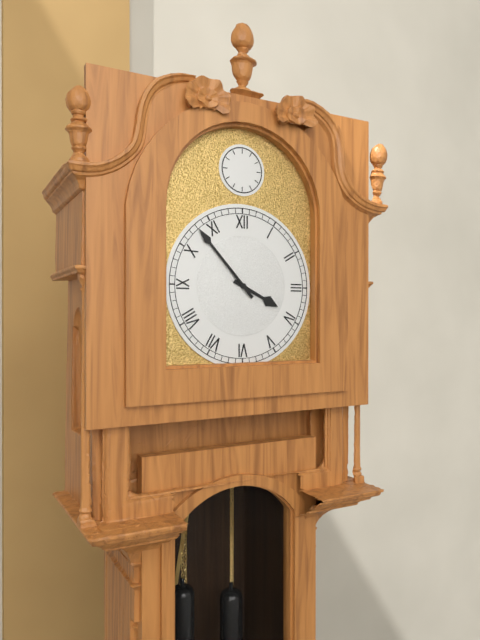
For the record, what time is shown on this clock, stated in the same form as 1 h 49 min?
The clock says 3 h 53 min
